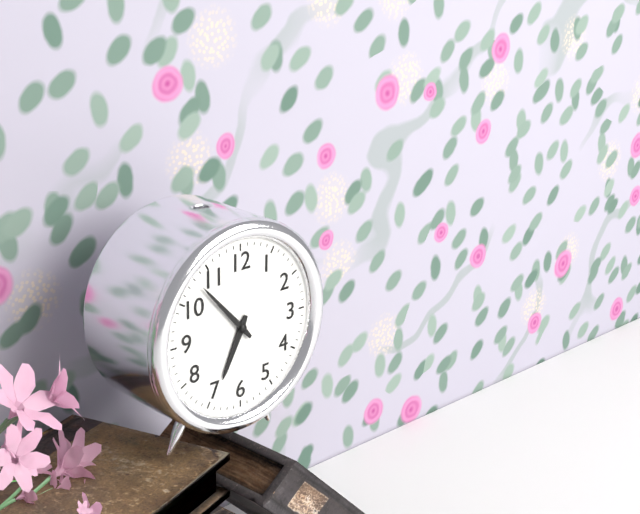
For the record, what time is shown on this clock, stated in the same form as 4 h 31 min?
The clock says 6 h 53 min
